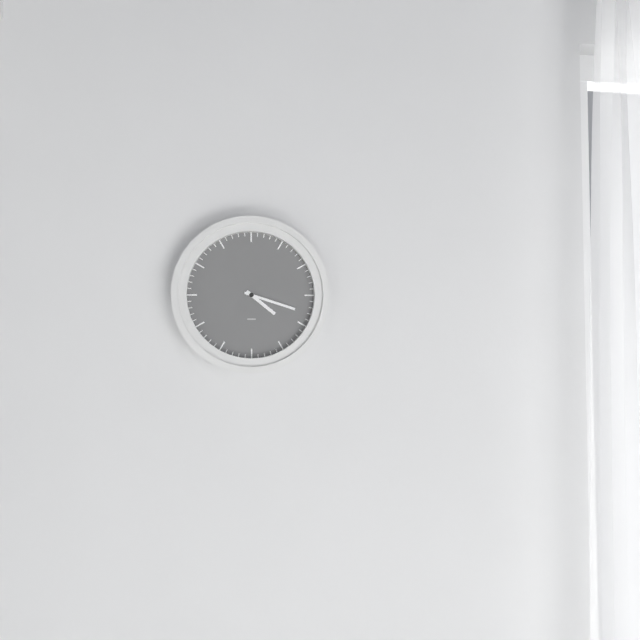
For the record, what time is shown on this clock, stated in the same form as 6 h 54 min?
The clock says 4 h 18 min
